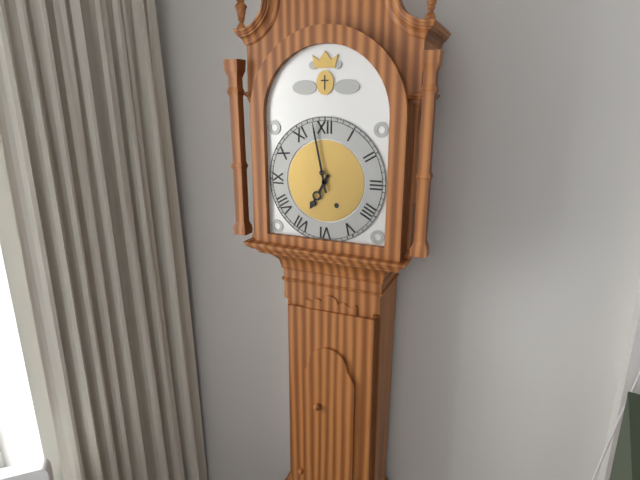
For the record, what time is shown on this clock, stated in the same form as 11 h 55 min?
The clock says 6 h 58 min
